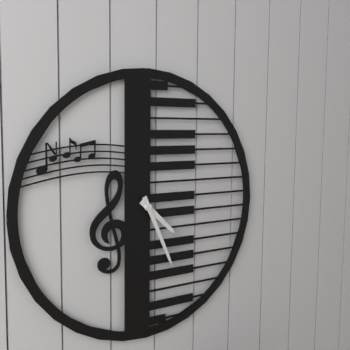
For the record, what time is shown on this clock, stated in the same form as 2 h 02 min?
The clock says 4 h 26 min
